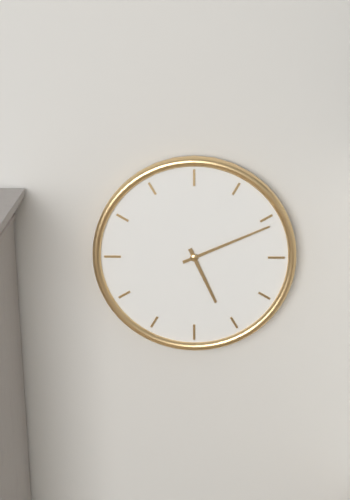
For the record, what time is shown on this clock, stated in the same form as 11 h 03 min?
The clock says 5 h 11 min
